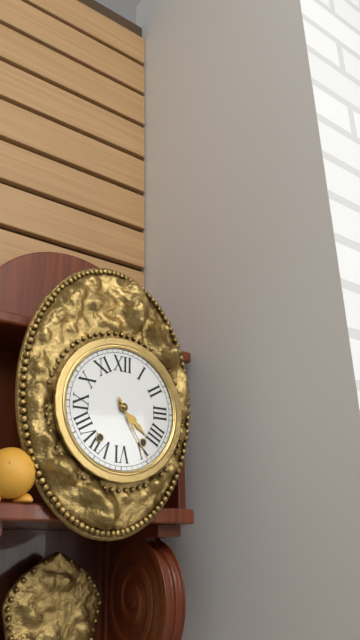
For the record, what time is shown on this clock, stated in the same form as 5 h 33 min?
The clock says 4 h 25 min
